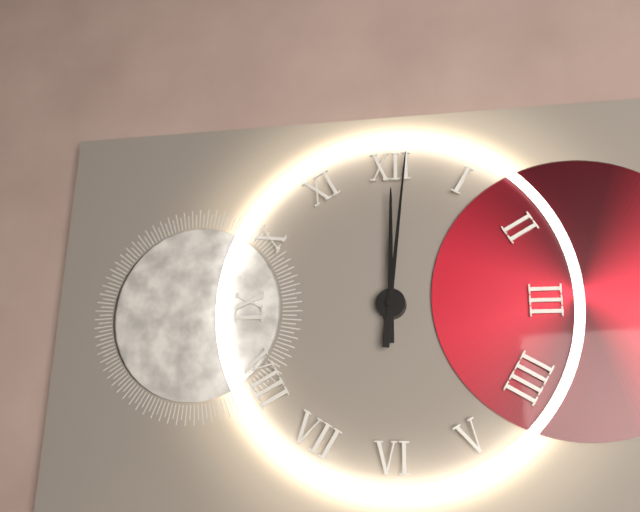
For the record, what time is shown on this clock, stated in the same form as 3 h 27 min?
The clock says 12 h 01 min
